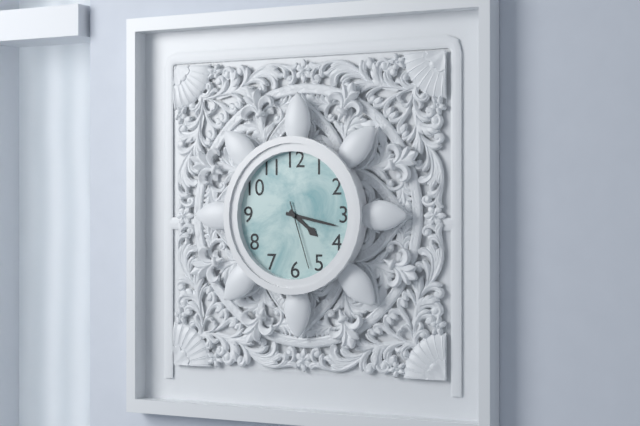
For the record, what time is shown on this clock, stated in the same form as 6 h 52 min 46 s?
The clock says 4 h 17 min 27 s
